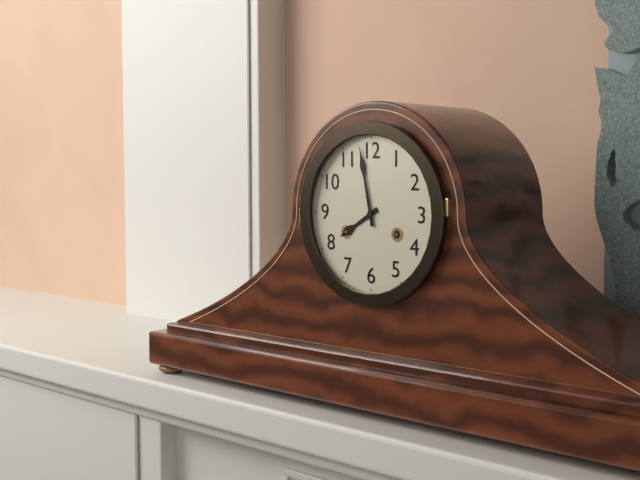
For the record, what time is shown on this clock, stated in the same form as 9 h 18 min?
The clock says 7 h 58 min
